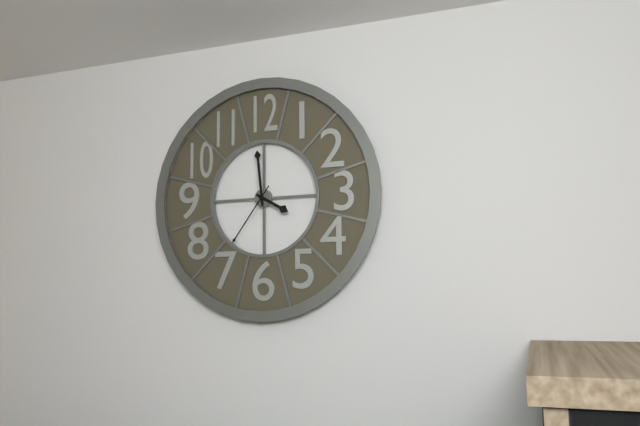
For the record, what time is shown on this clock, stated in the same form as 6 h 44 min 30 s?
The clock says 3 h 59 min 36 s
